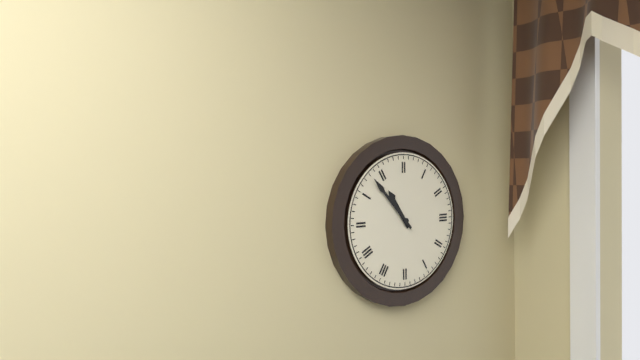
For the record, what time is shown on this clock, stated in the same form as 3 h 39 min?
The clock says 10 h 53 min
